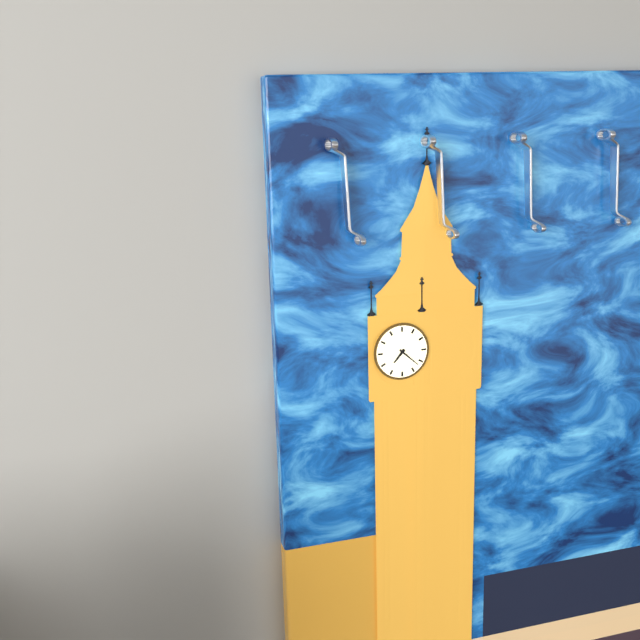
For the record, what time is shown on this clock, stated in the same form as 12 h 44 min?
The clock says 7 h 22 min
